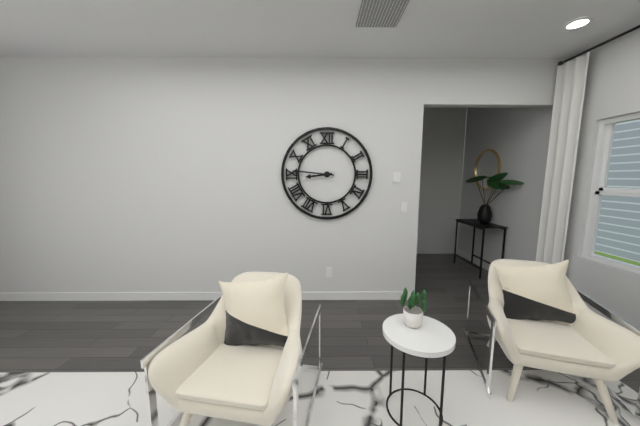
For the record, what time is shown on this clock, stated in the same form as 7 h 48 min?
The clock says 8 h 46 min
